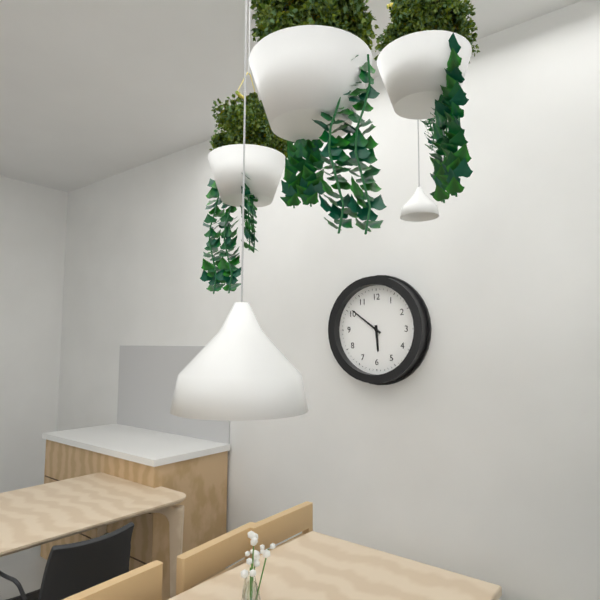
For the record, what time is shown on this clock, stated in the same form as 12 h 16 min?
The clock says 5 h 51 min
